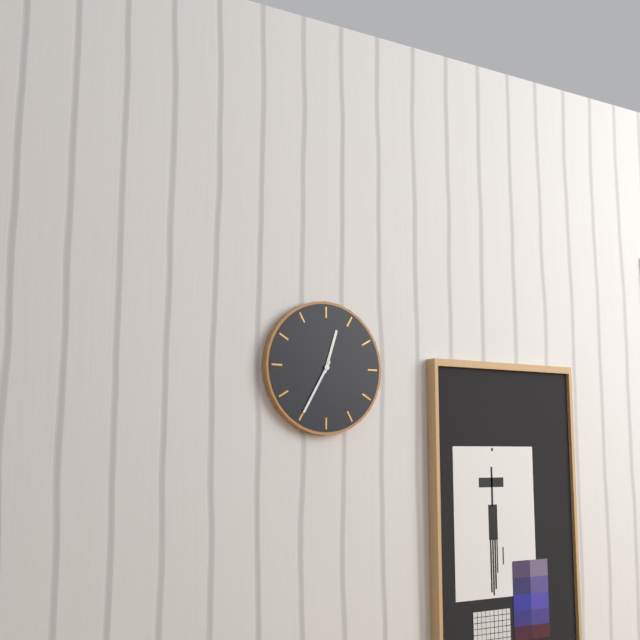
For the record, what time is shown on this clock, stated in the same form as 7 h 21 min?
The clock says 12 h 35 min
